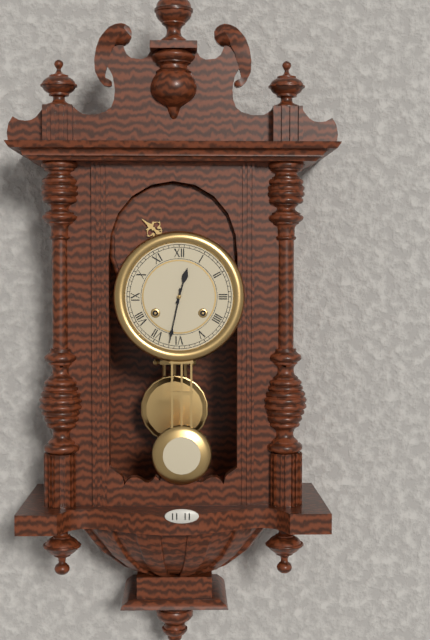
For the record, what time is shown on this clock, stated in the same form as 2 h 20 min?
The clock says 12 h 32 min
